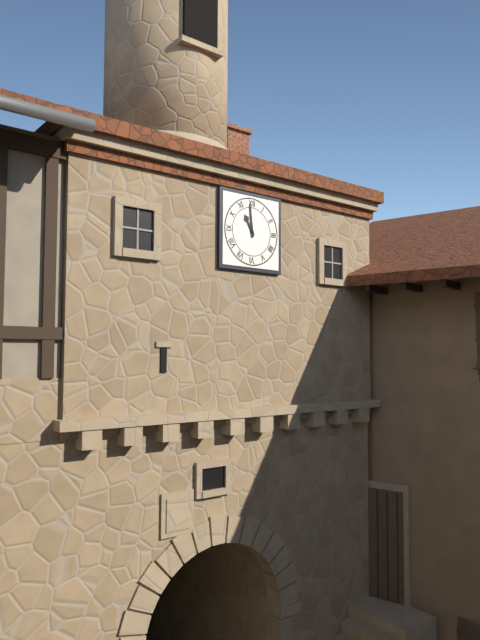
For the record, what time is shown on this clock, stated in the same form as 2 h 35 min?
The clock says 10 h 59 min
